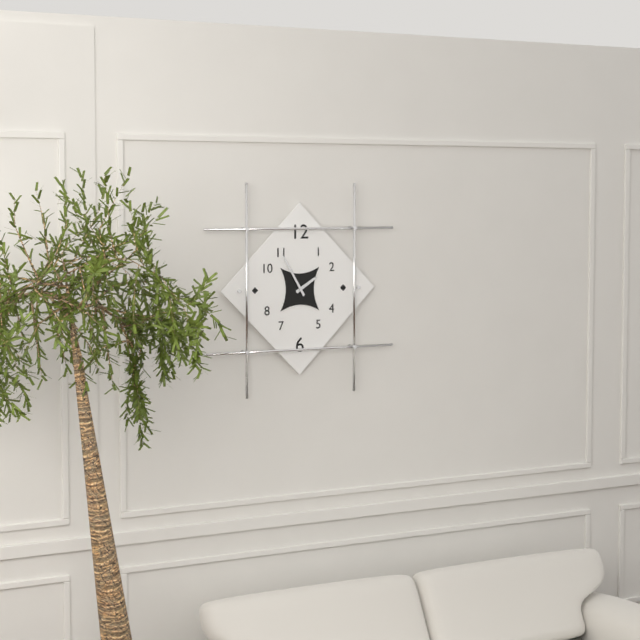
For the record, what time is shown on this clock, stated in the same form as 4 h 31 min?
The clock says 1 h 55 min
